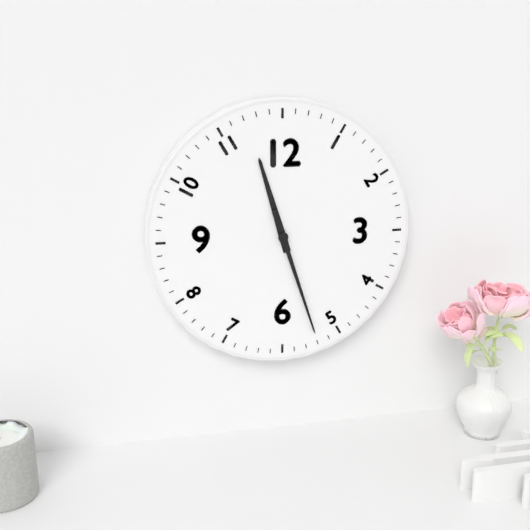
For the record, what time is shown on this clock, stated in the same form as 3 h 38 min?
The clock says 11 h 27 min
